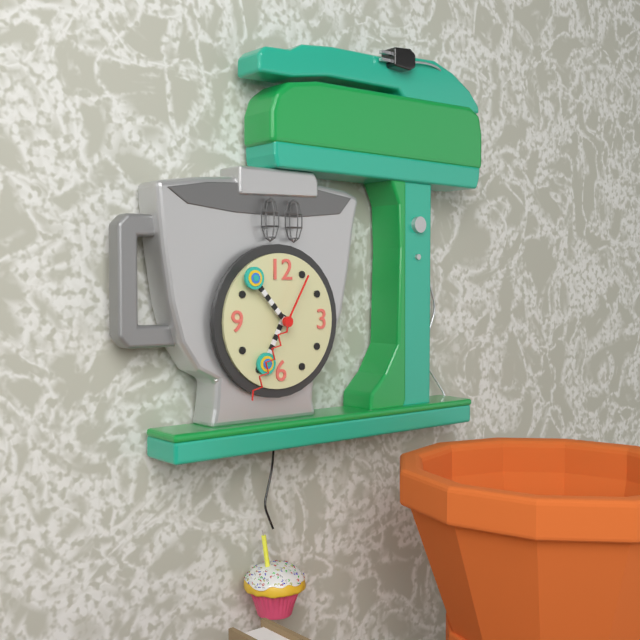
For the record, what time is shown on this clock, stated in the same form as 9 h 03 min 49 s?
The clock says 6 h 53 min 35 s
